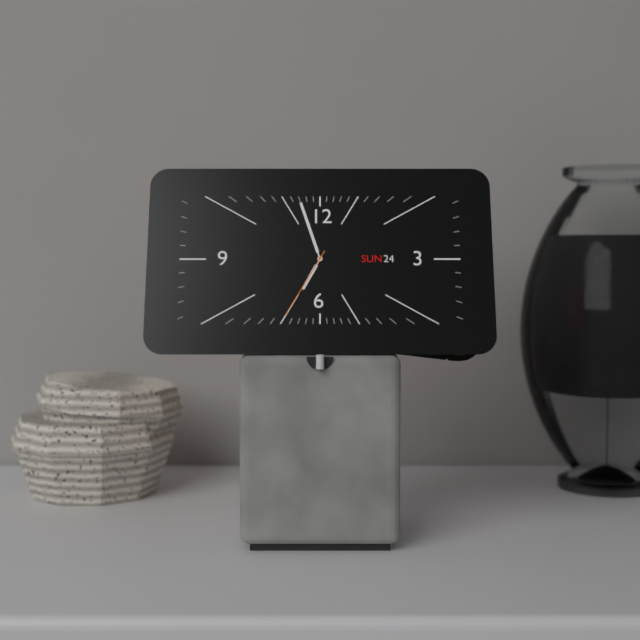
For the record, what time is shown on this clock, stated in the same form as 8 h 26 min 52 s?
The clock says 6 h 57 min 35 s
